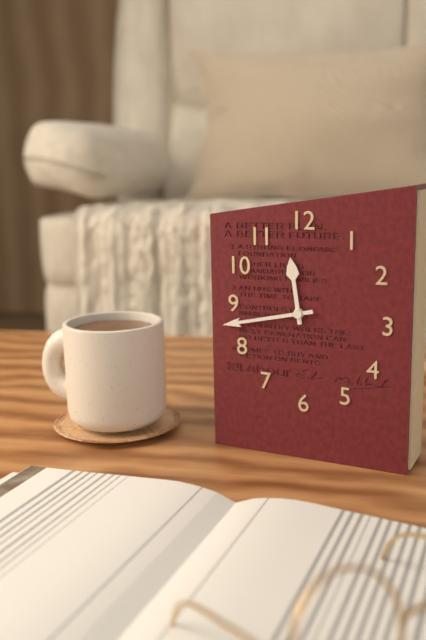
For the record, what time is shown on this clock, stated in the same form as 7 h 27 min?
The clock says 11 h 43 min
